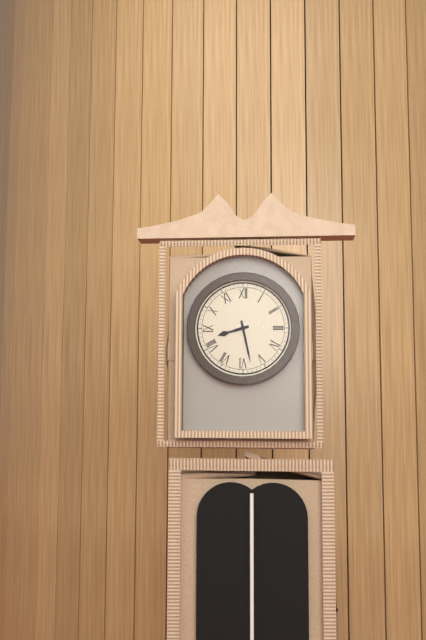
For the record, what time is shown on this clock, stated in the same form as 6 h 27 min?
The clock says 8 h 28 min
